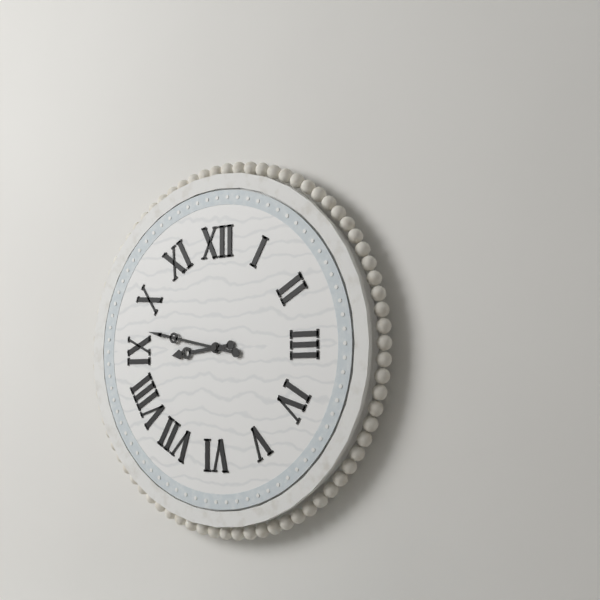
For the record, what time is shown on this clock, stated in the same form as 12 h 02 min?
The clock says 8 h 47 min
